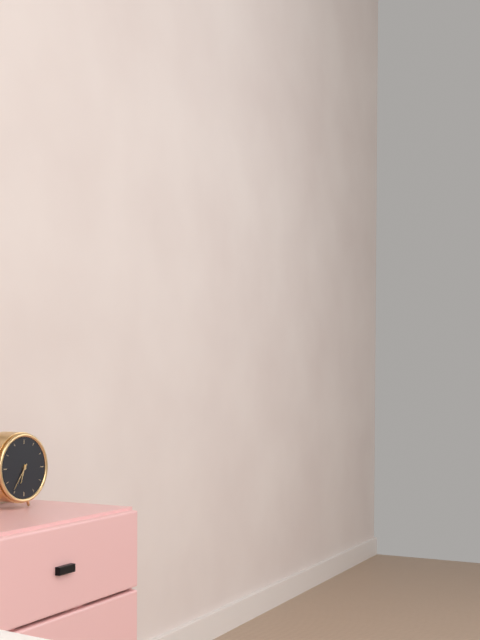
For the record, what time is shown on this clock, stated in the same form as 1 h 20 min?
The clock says 6 h 36 min
